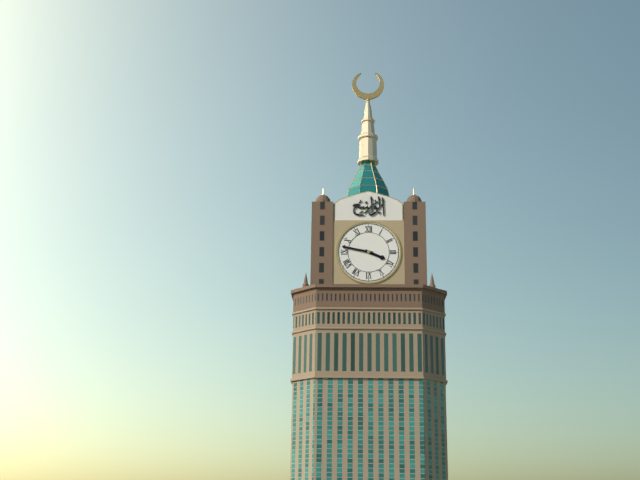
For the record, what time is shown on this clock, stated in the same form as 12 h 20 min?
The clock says 3 h 47 min
